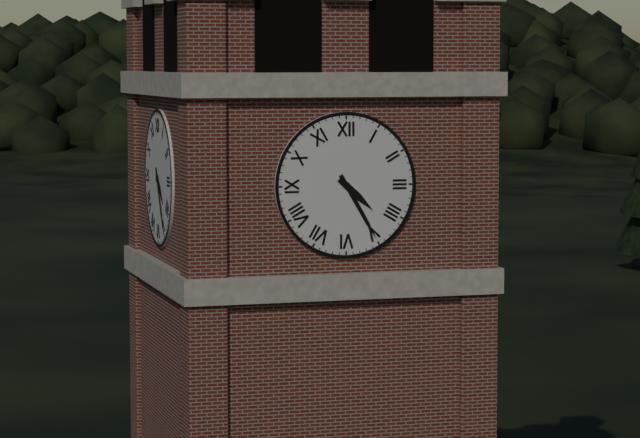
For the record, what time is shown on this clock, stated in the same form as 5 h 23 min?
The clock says 4 h 25 min
